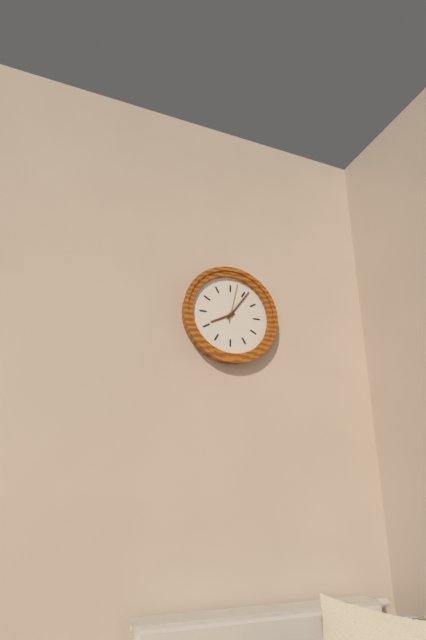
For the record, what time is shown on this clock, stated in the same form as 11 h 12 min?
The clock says 8 h 06 min
